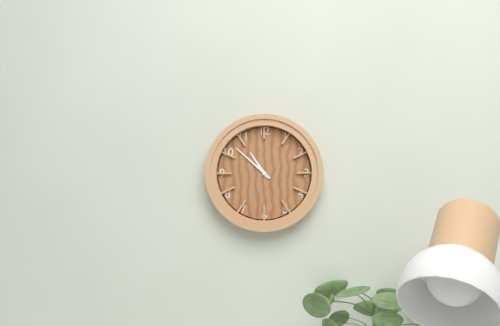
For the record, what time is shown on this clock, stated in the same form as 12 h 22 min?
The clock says 10 h 52 min
